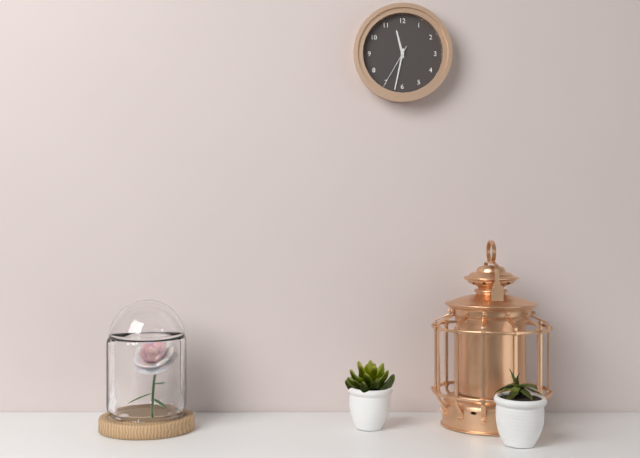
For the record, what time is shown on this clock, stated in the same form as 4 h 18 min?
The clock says 11 h 32 min
